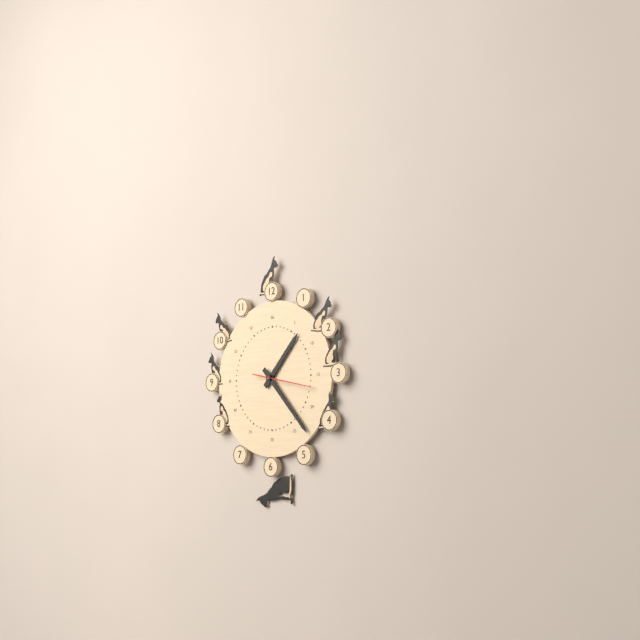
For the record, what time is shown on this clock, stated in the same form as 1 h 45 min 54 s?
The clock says 1 h 23 min 17 s
